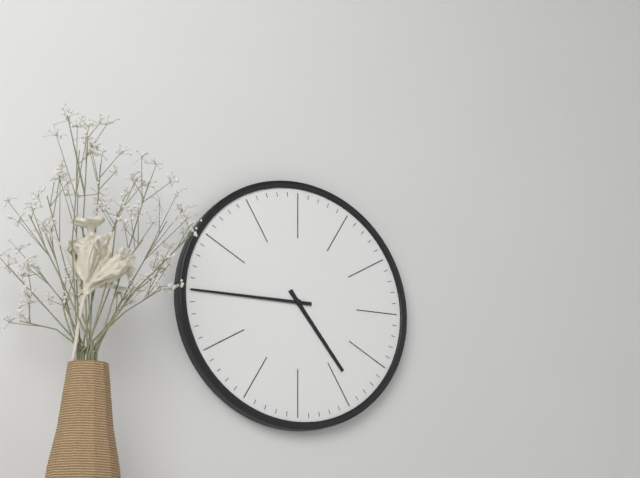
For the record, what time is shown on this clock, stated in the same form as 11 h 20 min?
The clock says 4 h 45 min
